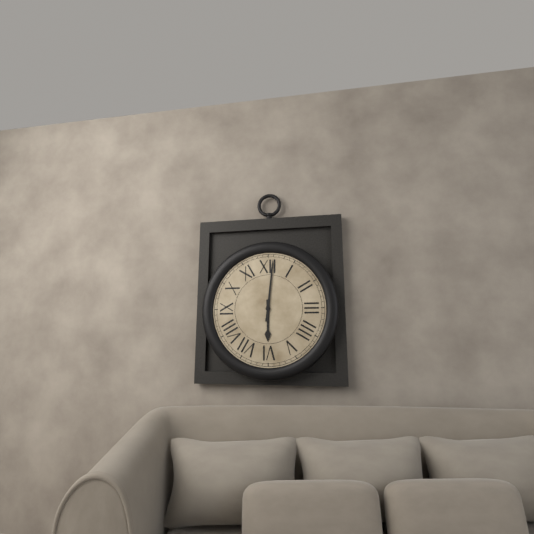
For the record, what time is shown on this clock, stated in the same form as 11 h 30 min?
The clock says 6 h 01 min
